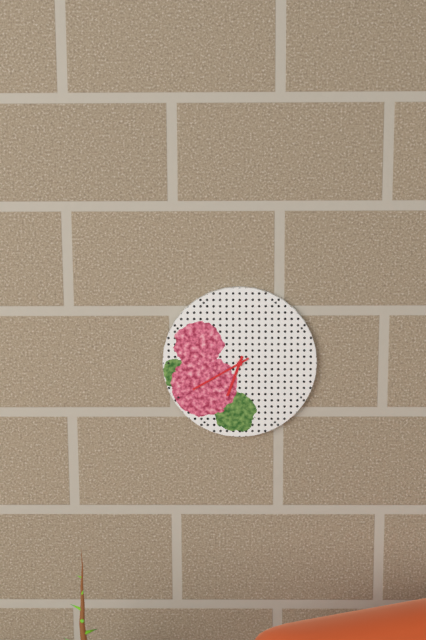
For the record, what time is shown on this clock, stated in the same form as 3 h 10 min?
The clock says 6 h 40 min
